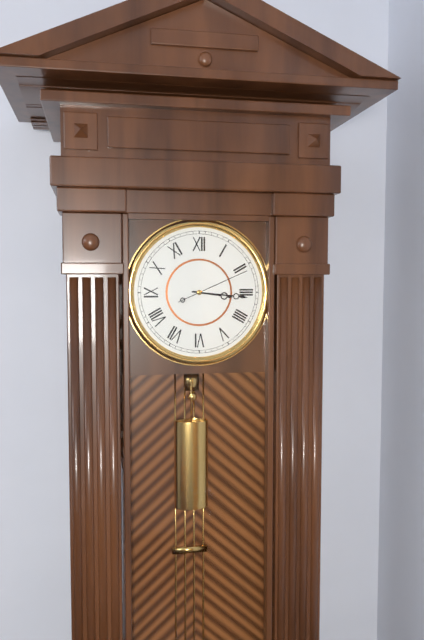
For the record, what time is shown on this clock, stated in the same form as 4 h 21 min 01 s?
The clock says 3 h 16 min 11 s
